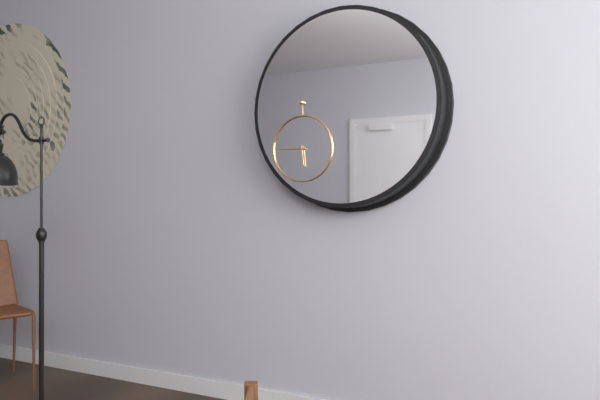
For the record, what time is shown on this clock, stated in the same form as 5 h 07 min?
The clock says 5 h 45 min
